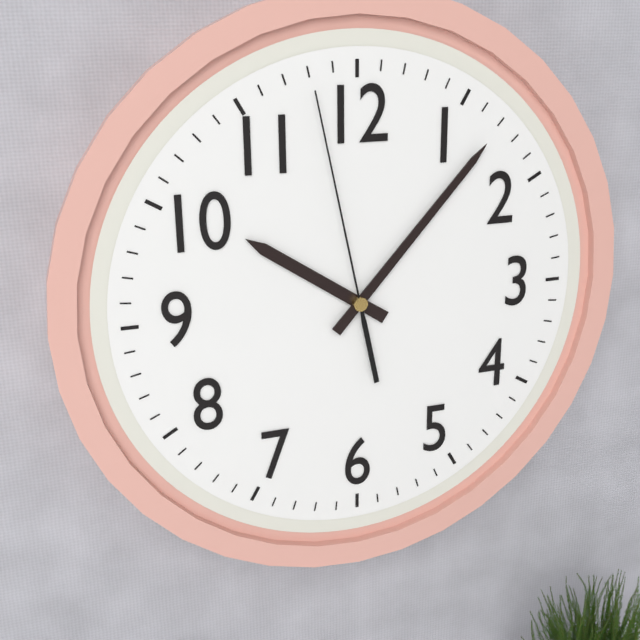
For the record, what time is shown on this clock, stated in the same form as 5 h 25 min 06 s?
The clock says 10 h 07 min 58 s
